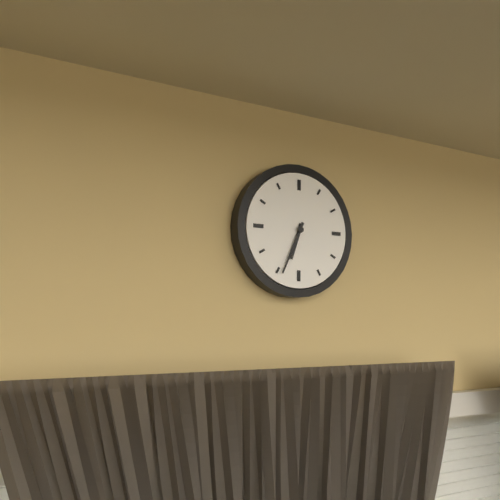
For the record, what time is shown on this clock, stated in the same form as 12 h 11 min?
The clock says 6 h 34 min
